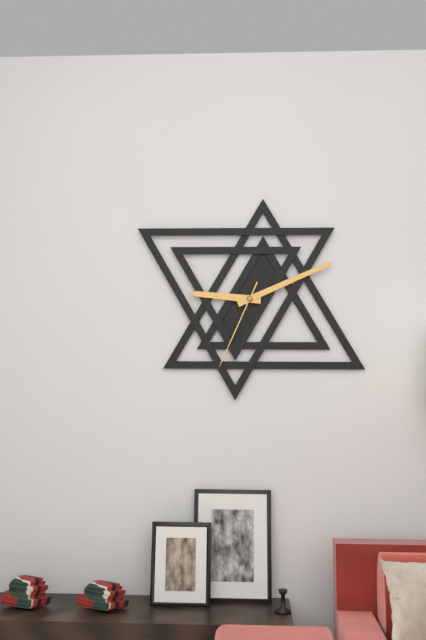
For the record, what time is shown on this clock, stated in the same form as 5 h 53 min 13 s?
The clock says 9 h 11 min 34 s
